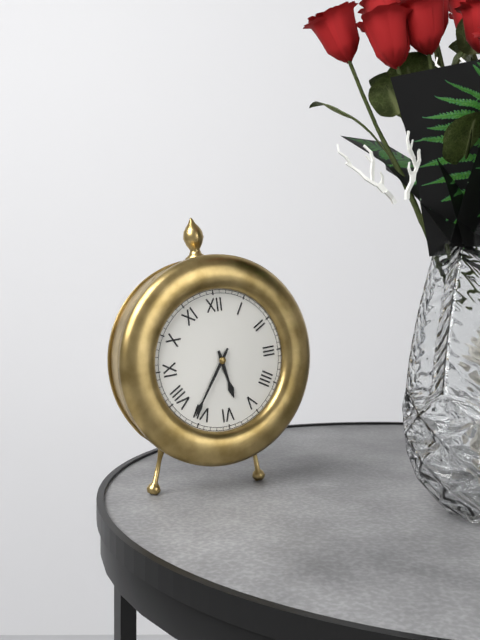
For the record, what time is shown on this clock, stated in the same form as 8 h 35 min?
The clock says 5 h 36 min
